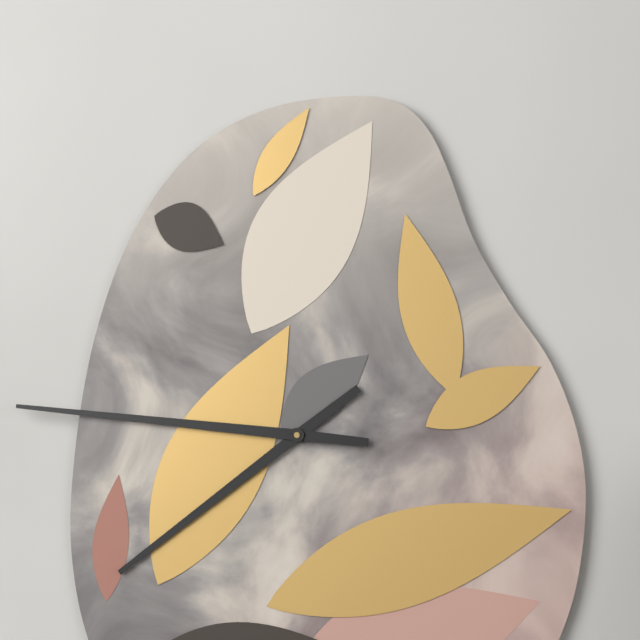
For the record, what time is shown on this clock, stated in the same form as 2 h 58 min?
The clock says 7 h 46 min
